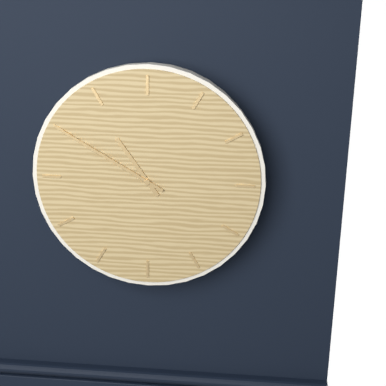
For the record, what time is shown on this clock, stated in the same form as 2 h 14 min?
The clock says 10 h 50 min
